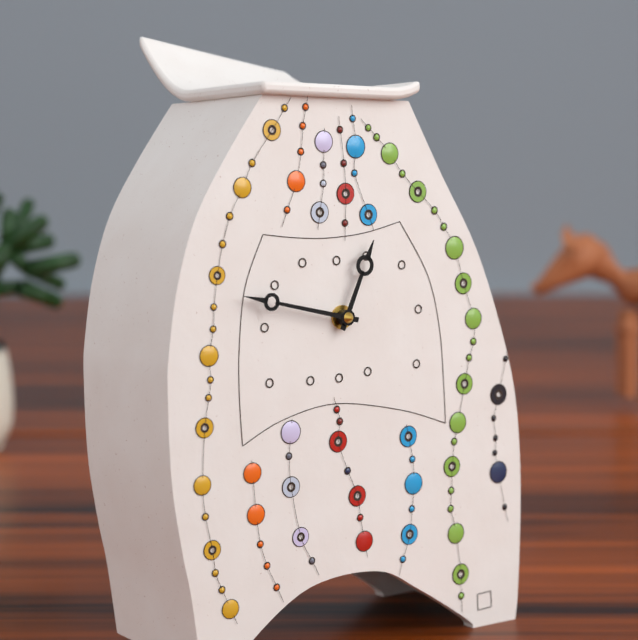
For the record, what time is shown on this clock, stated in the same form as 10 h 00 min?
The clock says 12 h 47 min
